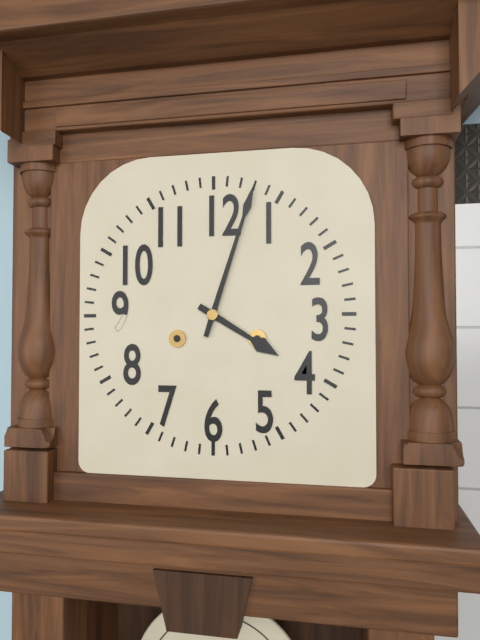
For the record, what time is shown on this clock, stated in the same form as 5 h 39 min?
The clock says 4 h 03 min
